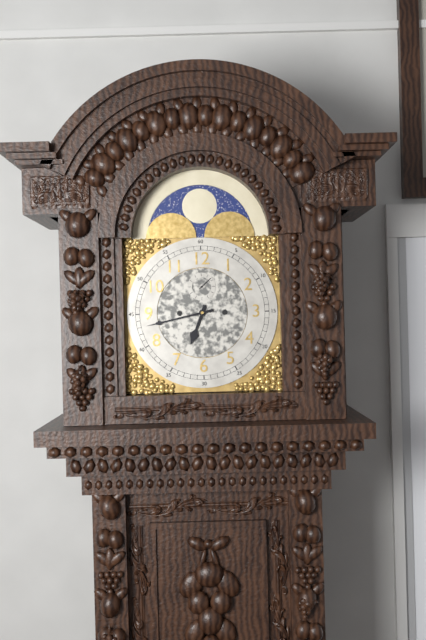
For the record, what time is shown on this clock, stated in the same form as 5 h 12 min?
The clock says 6 h 43 min
